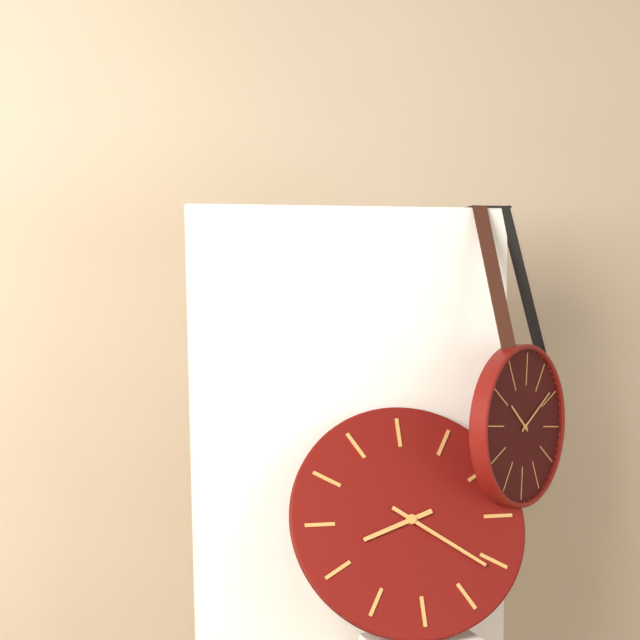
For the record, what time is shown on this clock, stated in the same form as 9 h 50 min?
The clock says 8 h 21 min
